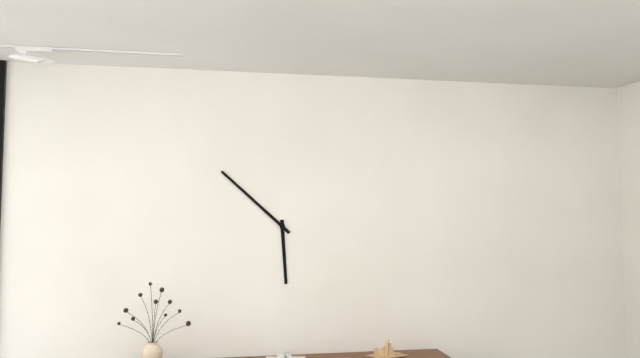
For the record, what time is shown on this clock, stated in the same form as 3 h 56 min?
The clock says 5 h 52 min
